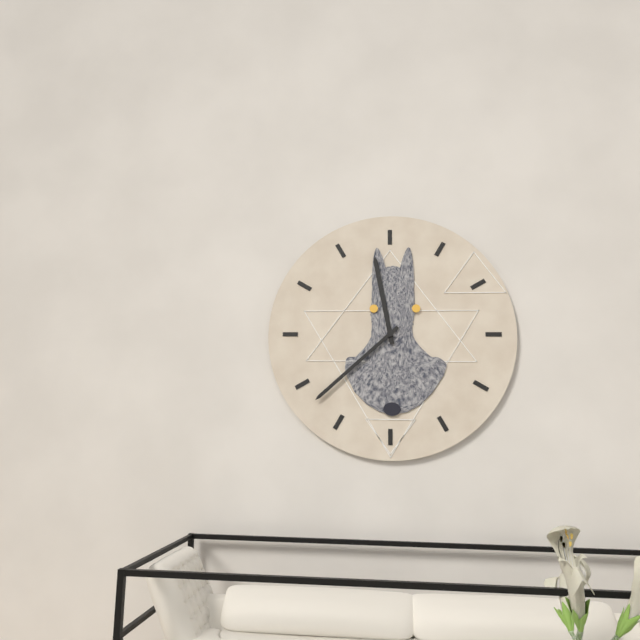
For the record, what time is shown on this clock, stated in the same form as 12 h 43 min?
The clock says 11 h 38 min
